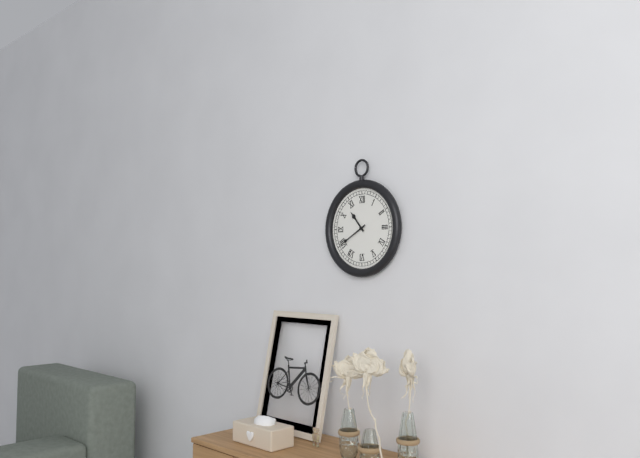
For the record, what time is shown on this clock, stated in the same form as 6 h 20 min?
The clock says 10 h 40 min
